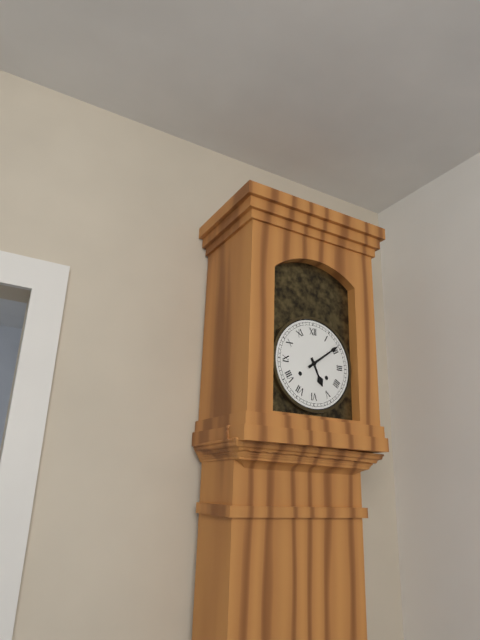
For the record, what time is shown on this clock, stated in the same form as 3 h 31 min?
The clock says 5 h 09 min
